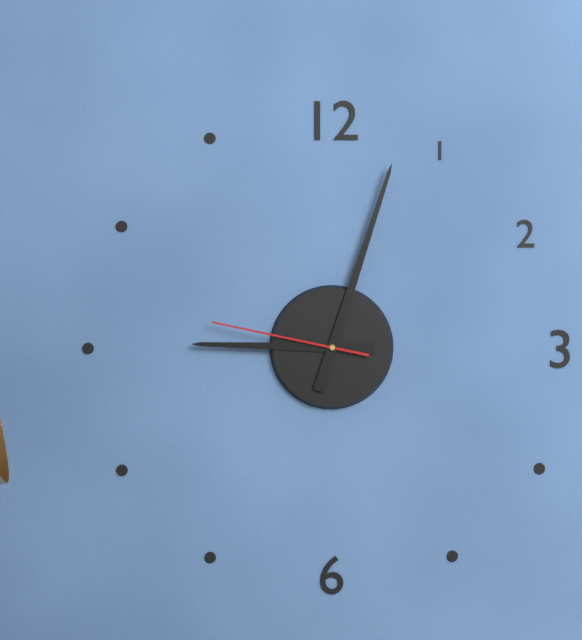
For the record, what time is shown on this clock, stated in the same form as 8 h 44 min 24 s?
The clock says 9 h 03 min 47 s
